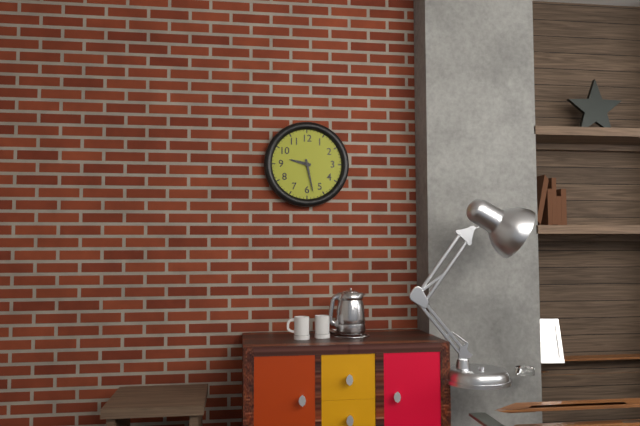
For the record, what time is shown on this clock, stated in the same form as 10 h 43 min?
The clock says 9 h 28 min
